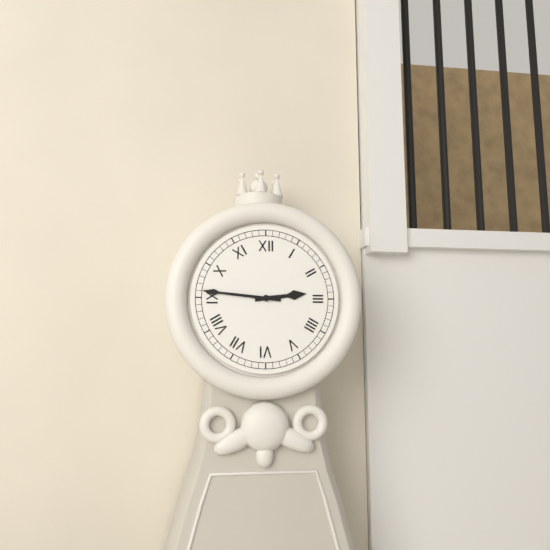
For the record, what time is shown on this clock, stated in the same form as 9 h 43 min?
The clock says 2 h 46 min
